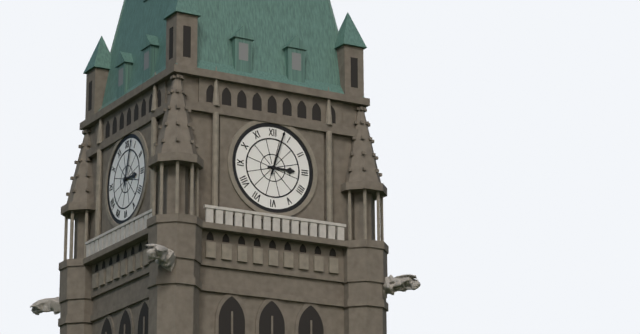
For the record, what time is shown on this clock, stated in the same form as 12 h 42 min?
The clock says 3 h 03 min
